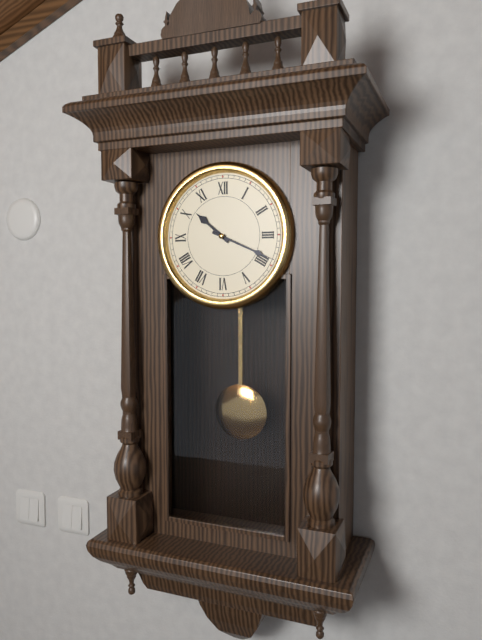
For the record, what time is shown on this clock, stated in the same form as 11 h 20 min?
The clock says 10 h 19 min
